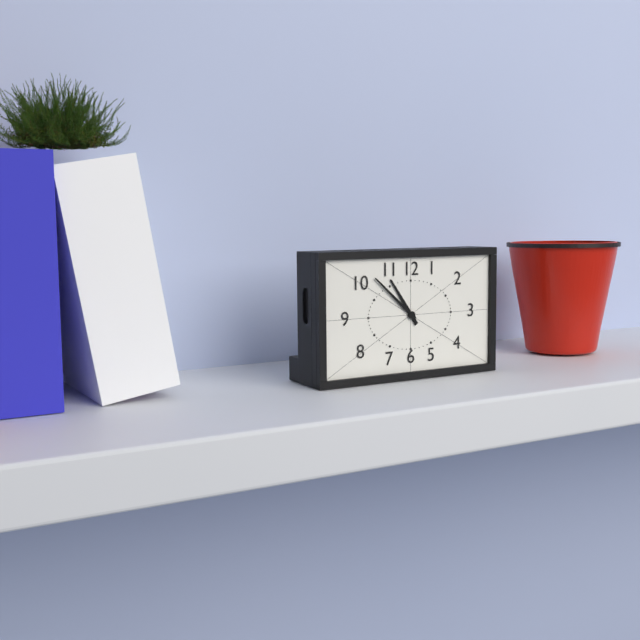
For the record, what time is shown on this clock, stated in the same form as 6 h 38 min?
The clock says 10 h 52 min
